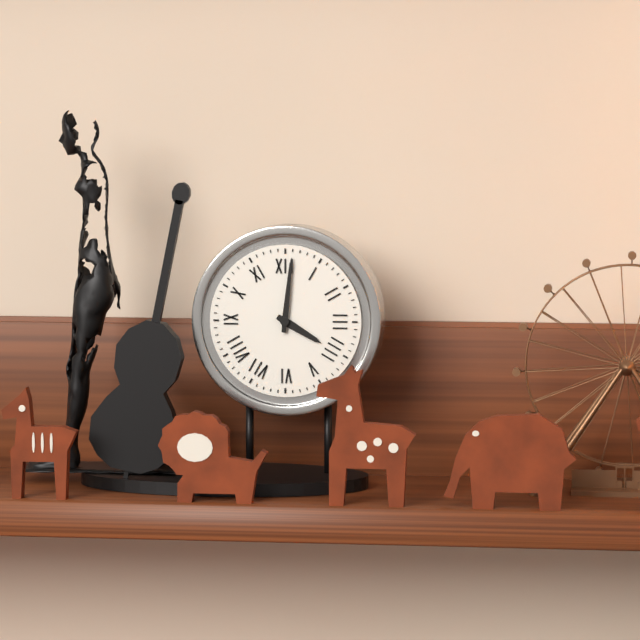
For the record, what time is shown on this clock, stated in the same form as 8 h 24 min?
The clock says 4 h 01 min
